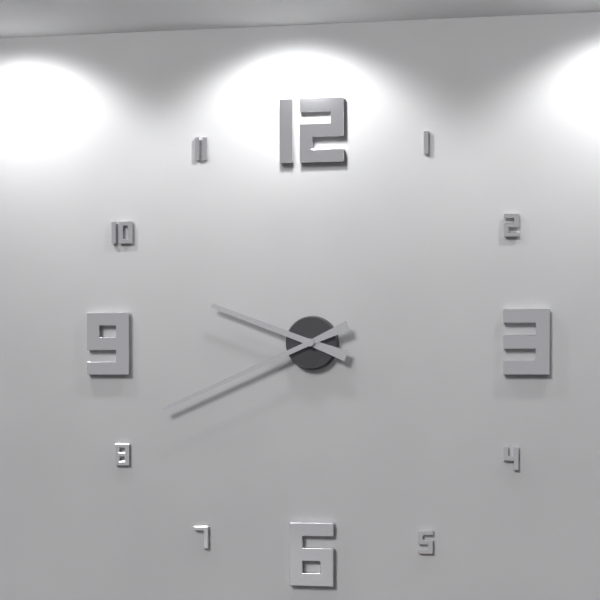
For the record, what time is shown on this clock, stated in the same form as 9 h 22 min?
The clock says 9 h 41 min
